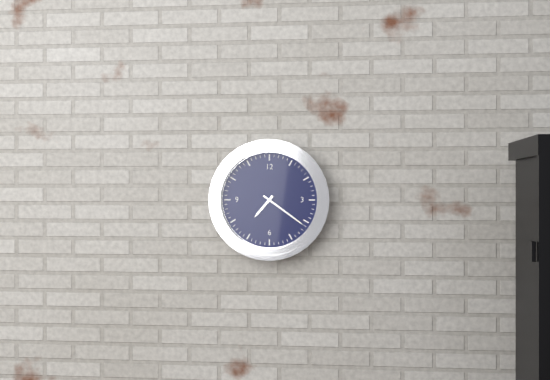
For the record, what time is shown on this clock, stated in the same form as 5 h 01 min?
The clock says 7 h 21 min
